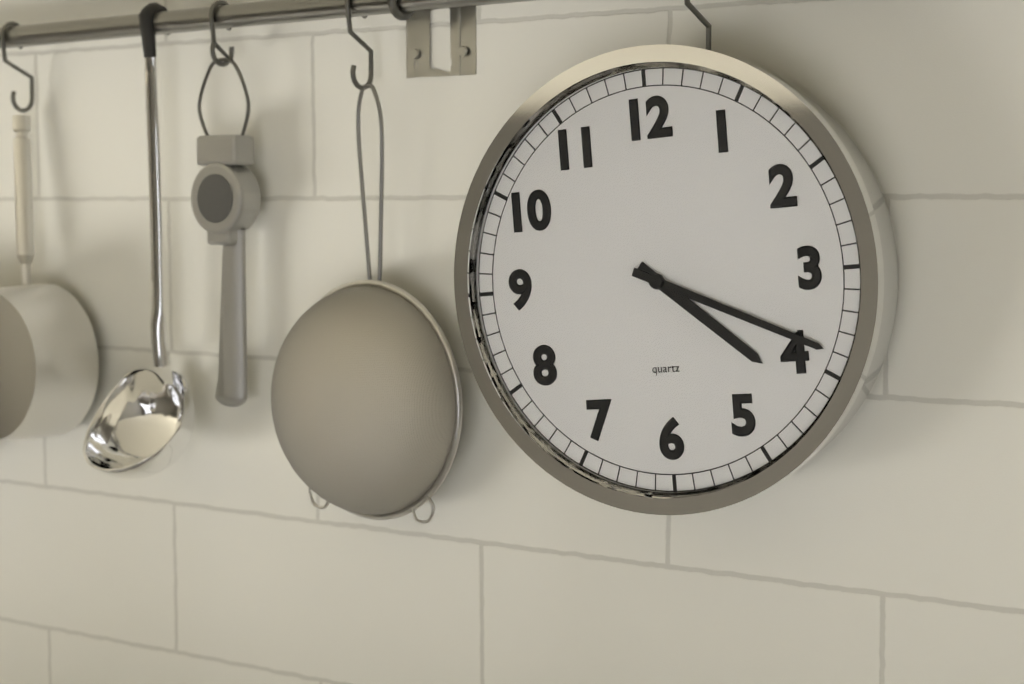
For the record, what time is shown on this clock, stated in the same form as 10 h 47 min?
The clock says 4 h 19 min
